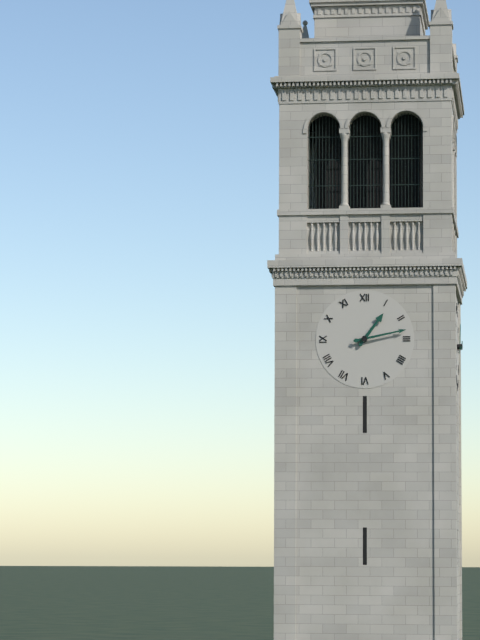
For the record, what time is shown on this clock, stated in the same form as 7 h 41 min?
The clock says 1 h 13 min
